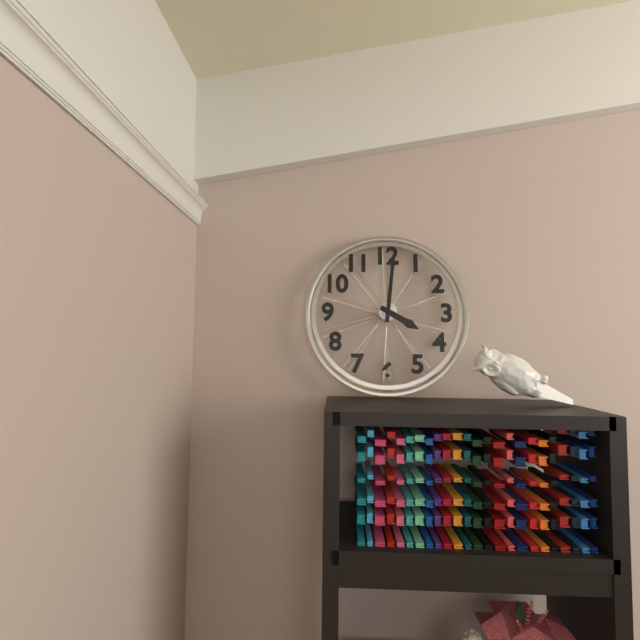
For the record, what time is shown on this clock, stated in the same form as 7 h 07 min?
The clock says 4 h 01 min
